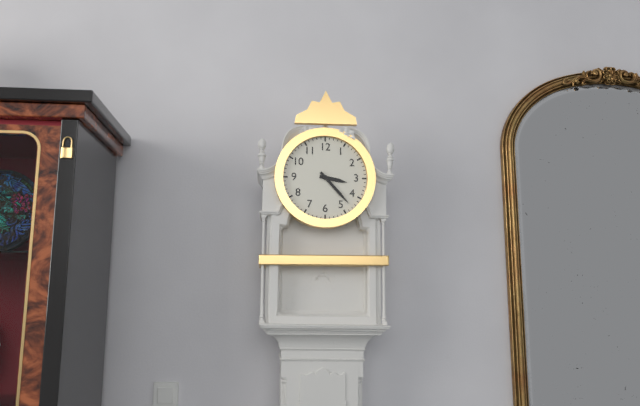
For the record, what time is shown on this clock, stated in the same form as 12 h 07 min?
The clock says 3 h 23 min
